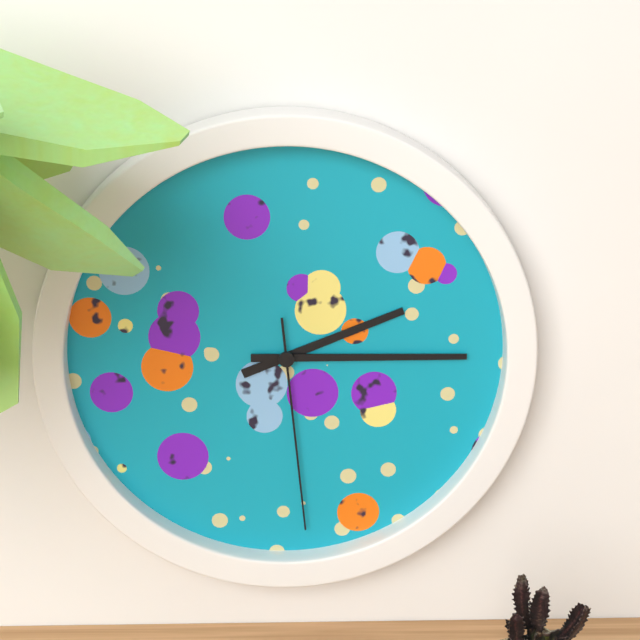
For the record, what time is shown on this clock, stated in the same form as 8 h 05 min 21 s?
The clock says 2 h 15 min 29 s
